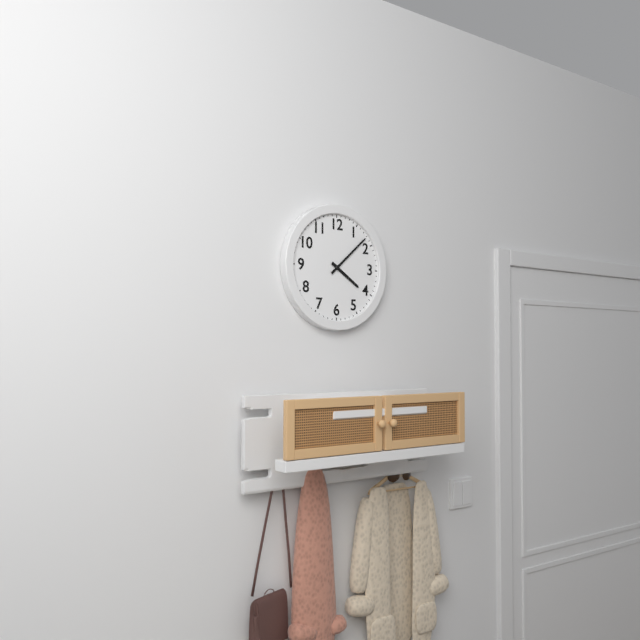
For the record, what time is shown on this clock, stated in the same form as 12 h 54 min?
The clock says 4 h 08 min
